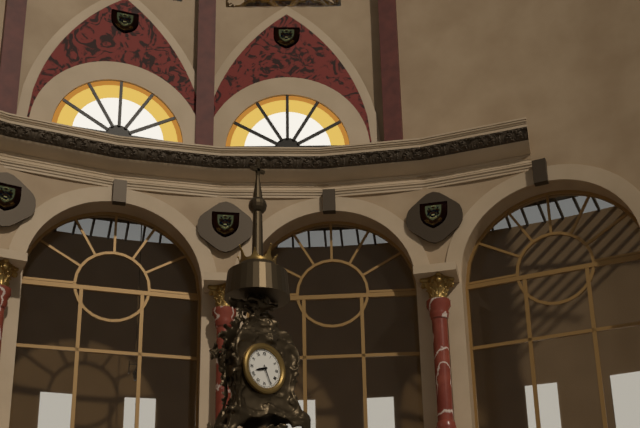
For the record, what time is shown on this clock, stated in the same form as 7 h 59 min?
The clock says 8 h 26 min
